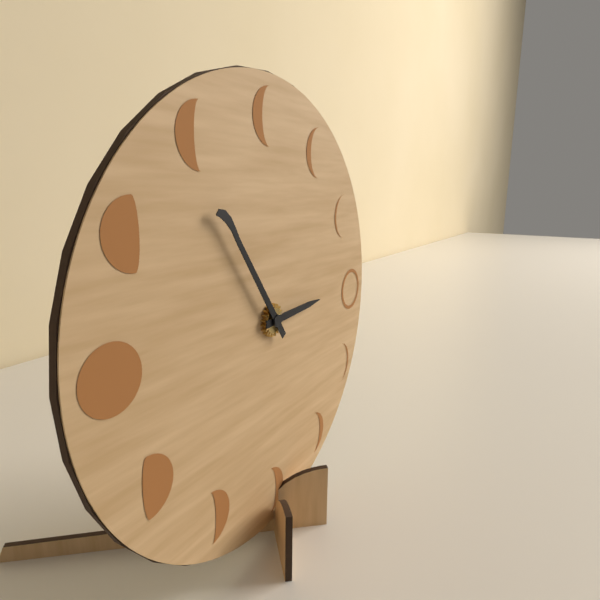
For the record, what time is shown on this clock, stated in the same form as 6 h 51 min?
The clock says 2 h 54 min
